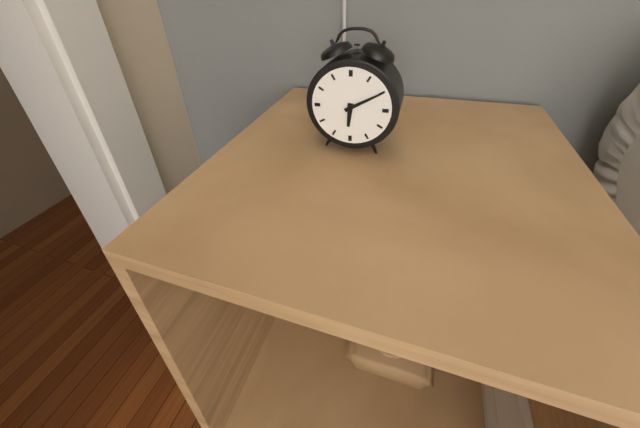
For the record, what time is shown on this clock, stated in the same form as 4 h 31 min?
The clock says 6 h 10 min
